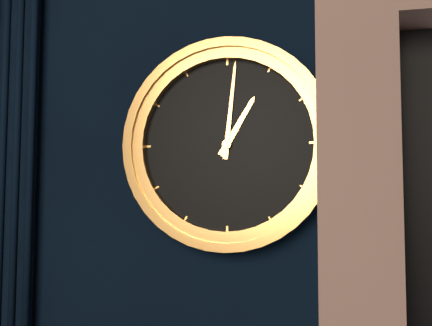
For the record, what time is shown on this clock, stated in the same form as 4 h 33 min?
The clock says 1 h 01 min
